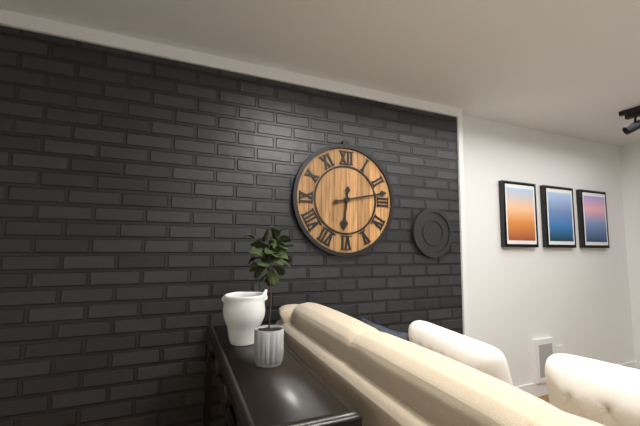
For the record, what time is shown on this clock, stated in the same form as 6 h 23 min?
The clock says 6 h 13 min
